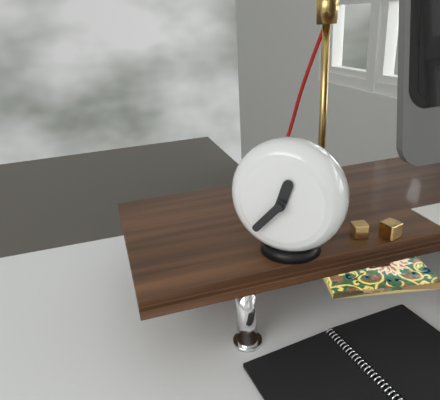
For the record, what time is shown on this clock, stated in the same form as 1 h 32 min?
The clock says 12 h 37 min
